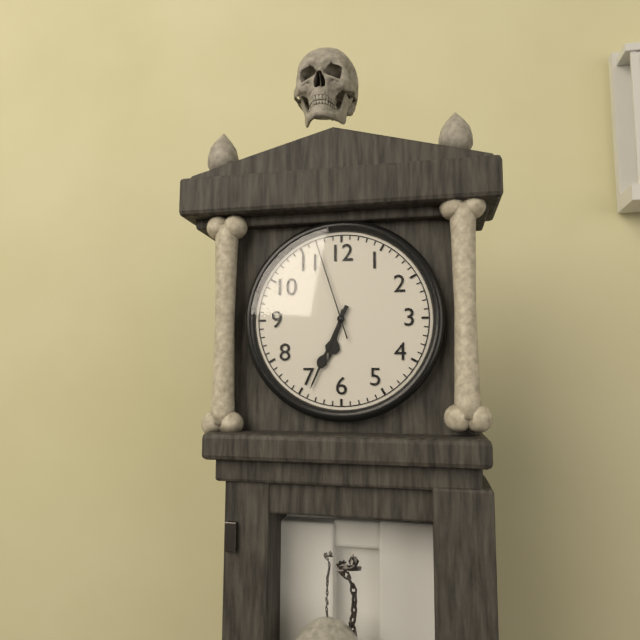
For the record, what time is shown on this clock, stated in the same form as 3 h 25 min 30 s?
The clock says 6 h 34 min 57 s
